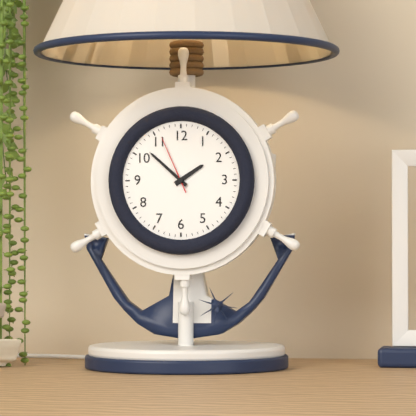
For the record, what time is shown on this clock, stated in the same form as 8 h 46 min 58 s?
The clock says 1 h 52 min 56 s
